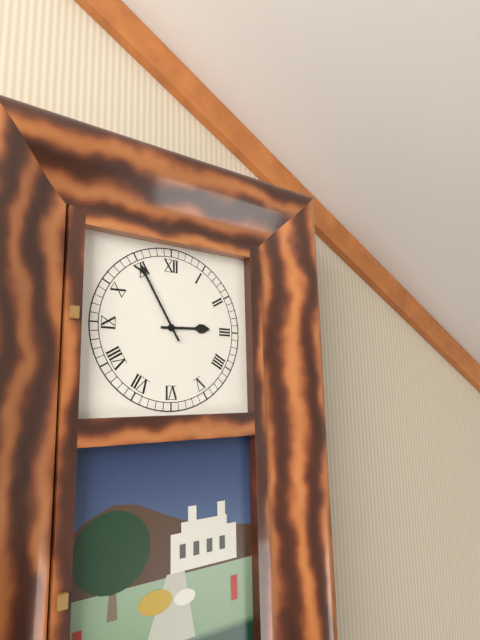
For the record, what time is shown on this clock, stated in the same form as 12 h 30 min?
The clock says 2 h 55 min
